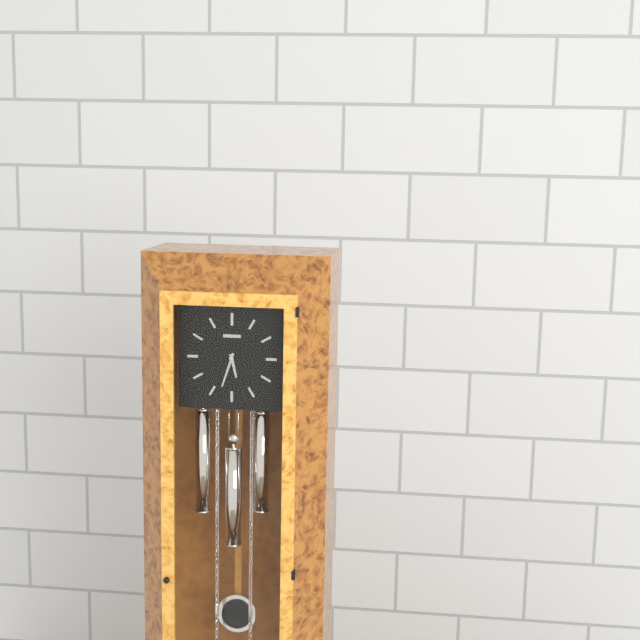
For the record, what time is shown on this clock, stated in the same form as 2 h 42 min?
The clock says 5 h 33 min
